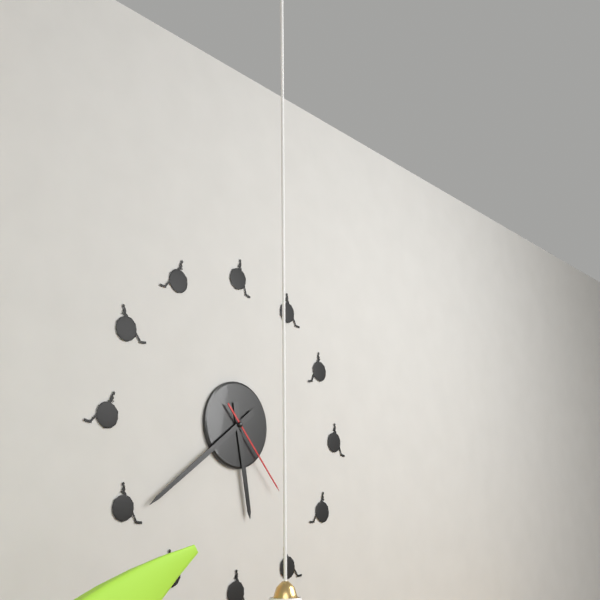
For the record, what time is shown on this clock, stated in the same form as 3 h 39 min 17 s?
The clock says 5 h 39 min 23 s
